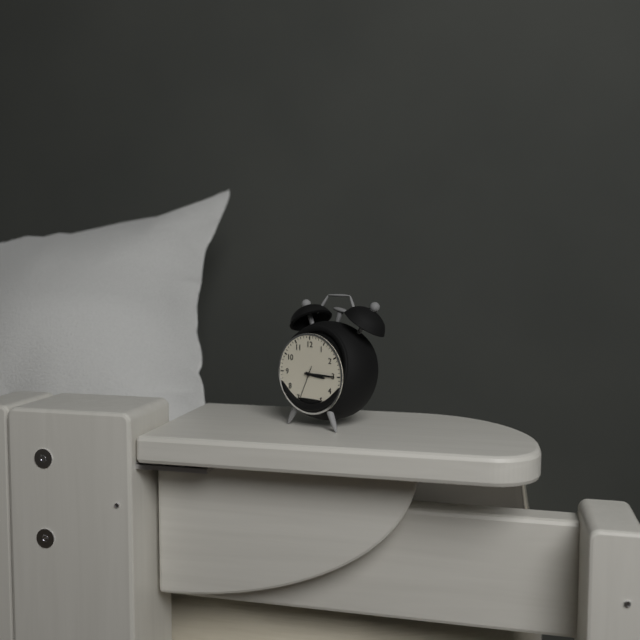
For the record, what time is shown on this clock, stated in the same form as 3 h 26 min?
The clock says 3 h 15 min
